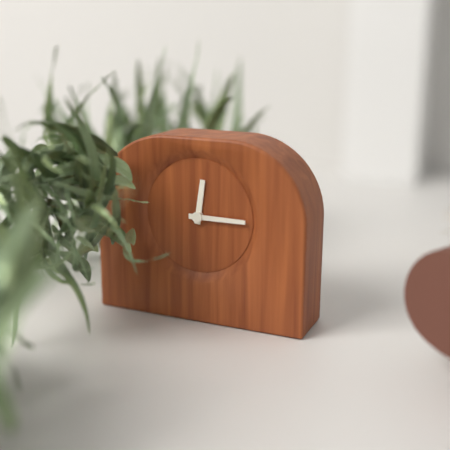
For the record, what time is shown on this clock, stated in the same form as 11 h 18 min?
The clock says 12 h 15 min
